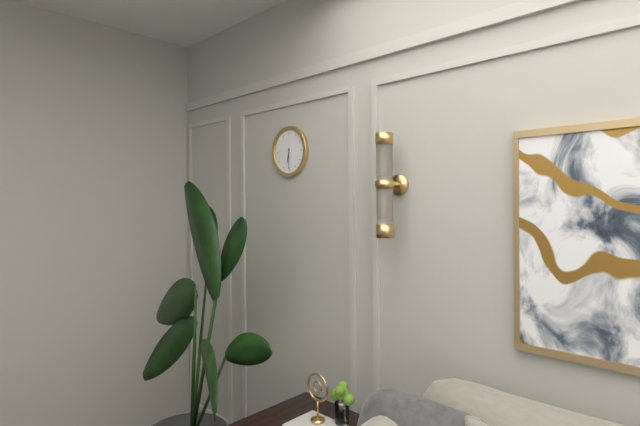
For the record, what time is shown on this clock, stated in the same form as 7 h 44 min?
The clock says 6 h 30 min
